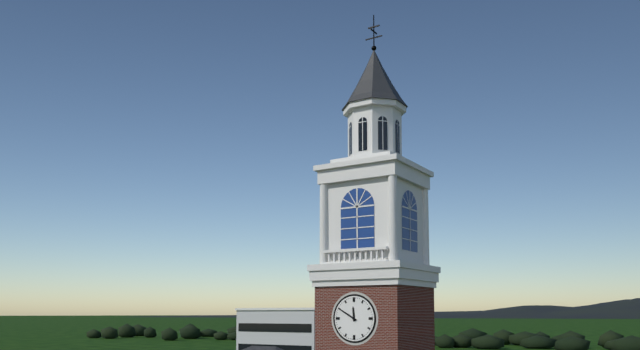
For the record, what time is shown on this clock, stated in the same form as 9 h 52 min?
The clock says 11 h 50 min
